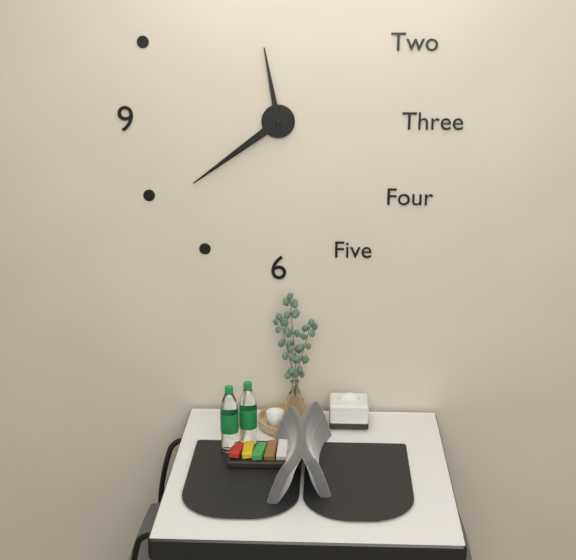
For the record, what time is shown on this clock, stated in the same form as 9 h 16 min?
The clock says 11 h 39 min
